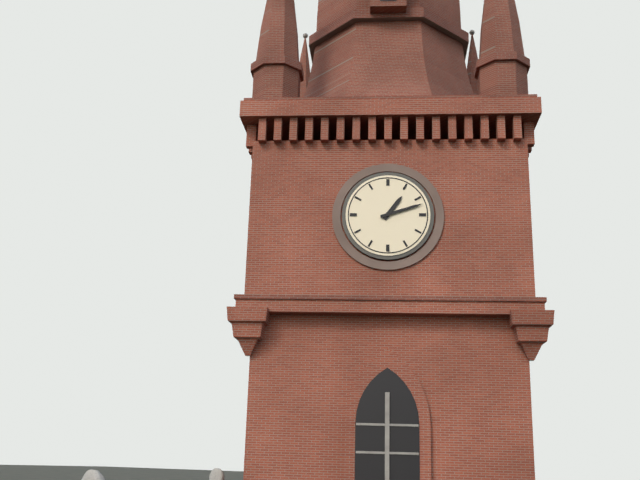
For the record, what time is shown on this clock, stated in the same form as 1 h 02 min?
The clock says 1 h 12 min
